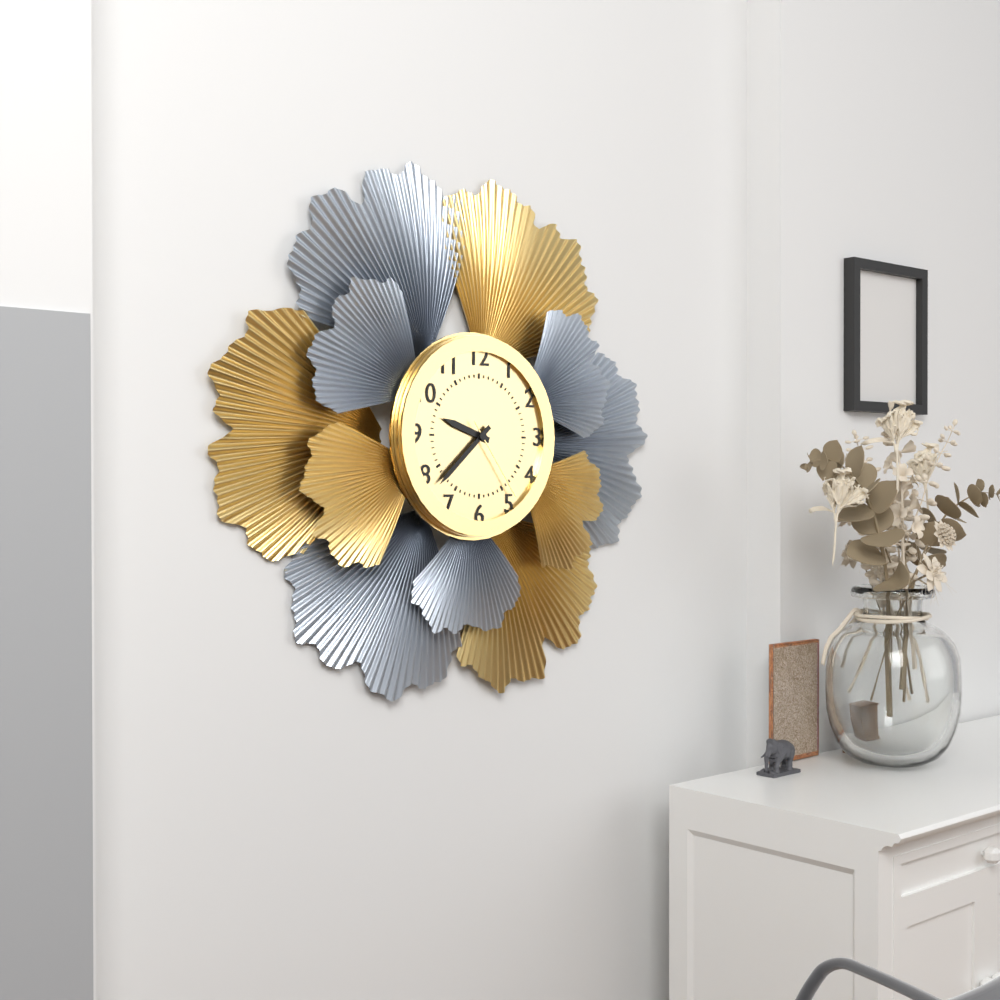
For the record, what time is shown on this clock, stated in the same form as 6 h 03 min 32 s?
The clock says 9 h 38 min 24 s
